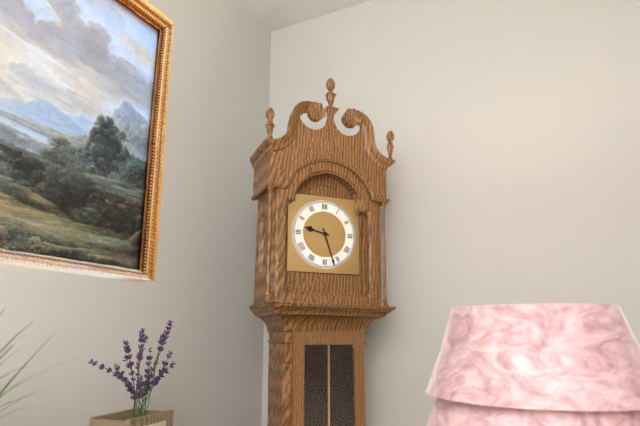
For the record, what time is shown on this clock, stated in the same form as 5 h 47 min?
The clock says 9 h 27 min
